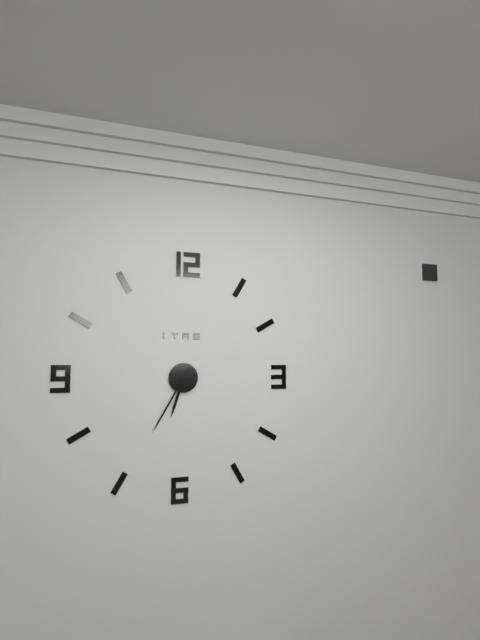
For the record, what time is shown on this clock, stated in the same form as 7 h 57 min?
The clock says 6 h 35 min
